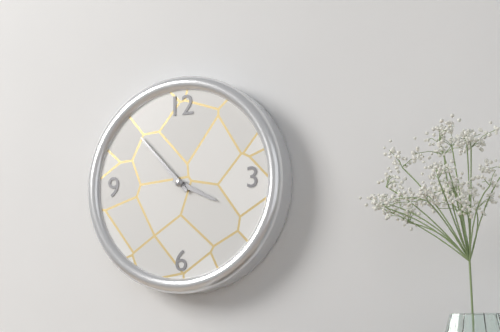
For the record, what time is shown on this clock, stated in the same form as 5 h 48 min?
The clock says 3 h 53 min
